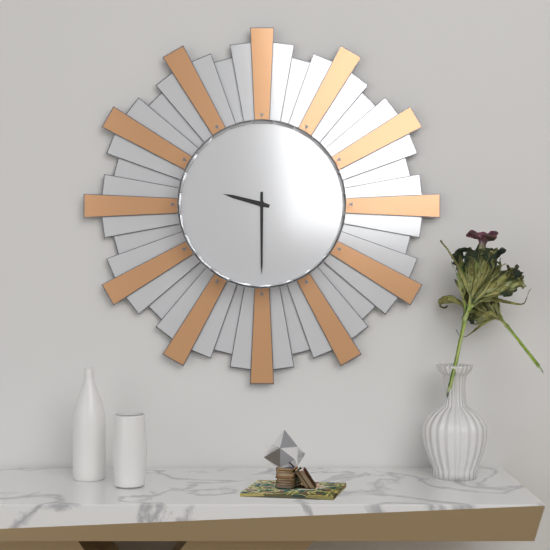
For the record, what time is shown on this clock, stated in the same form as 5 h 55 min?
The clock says 9 h 30 min
